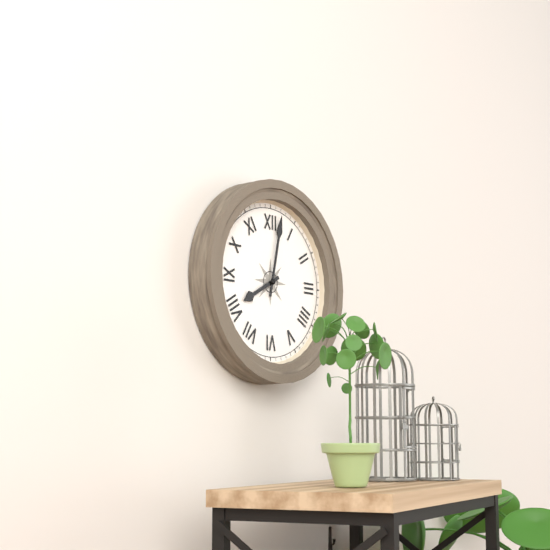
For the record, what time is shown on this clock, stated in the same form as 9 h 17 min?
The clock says 8 h 02 min
